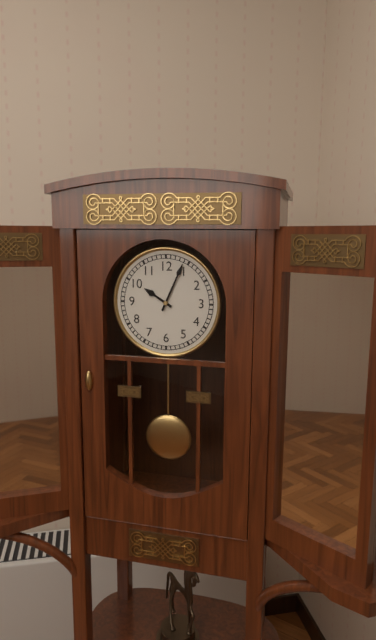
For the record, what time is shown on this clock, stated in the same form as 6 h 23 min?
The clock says 10 h 04 min
